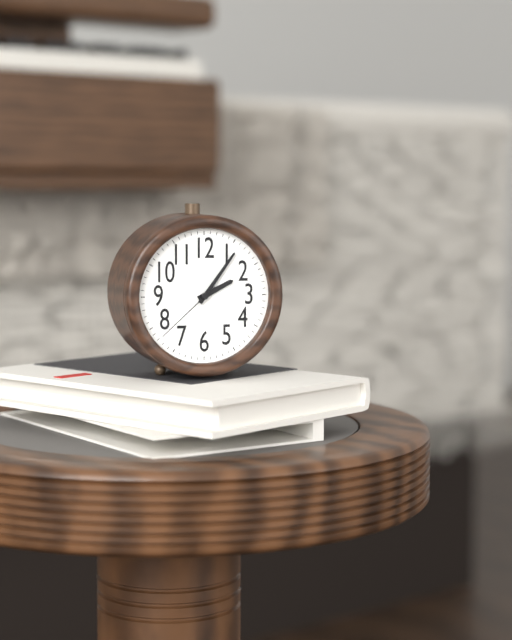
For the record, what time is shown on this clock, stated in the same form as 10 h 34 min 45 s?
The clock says 2 h 06 min 38 s
